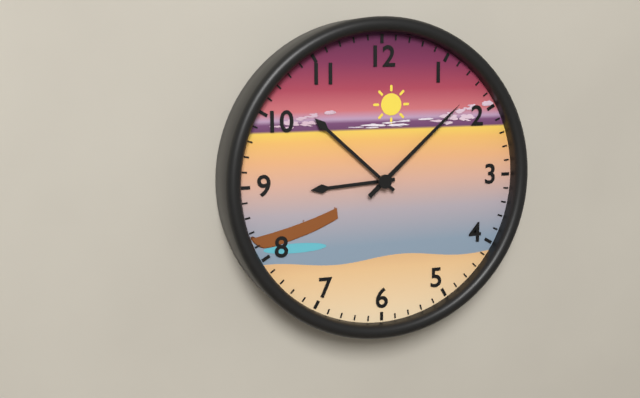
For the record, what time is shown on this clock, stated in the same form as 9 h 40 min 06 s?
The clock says 8 h 52 min 08 s
